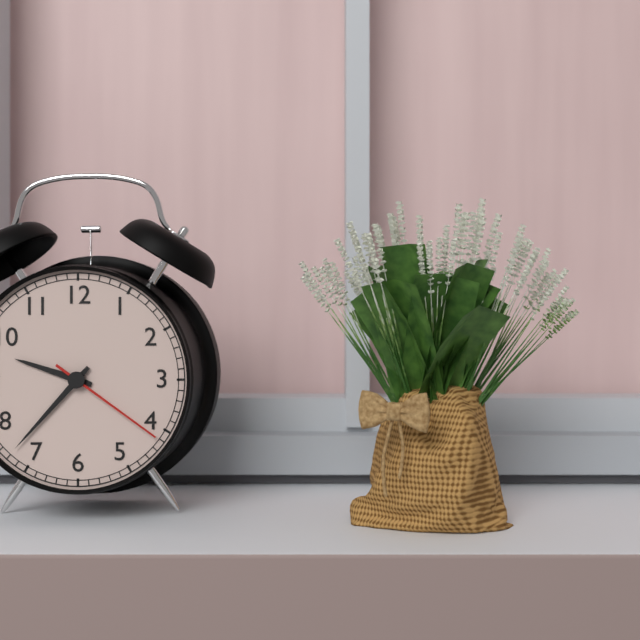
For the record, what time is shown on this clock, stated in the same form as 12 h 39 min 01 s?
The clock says 9 h 37 min 21 s
